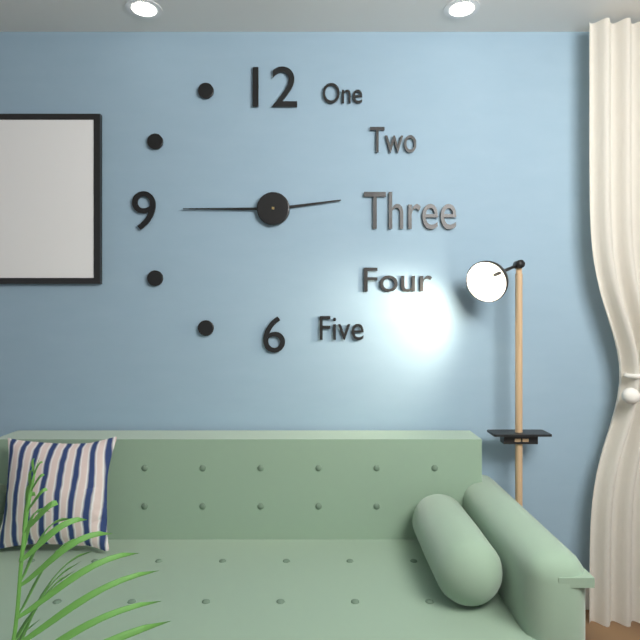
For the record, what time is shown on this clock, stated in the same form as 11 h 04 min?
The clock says 2 h 45 min
